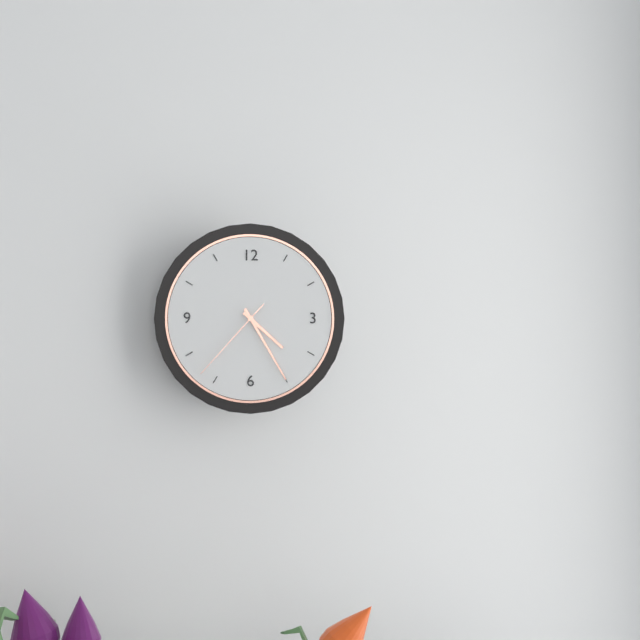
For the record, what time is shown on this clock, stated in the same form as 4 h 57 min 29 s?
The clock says 4 h 25 min 37 s
